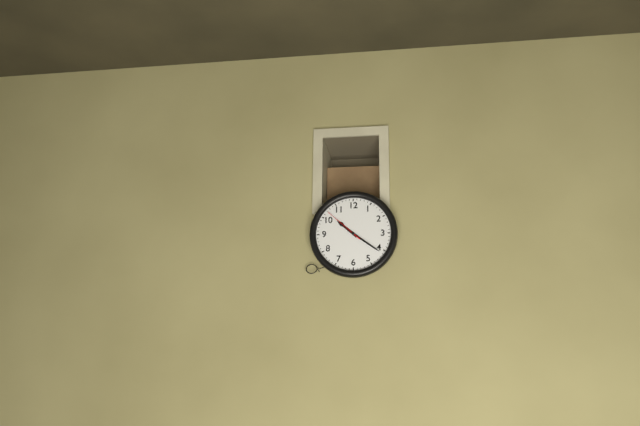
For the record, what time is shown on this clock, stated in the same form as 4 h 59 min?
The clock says 10 h 21 min
